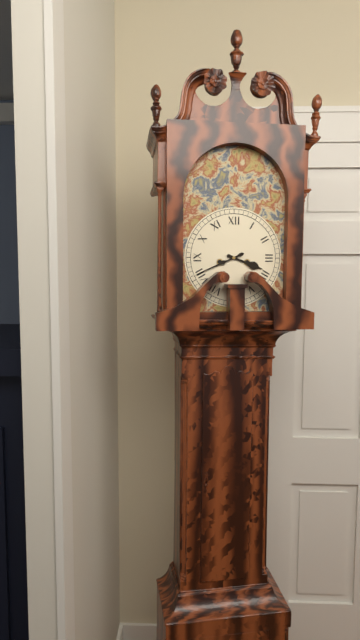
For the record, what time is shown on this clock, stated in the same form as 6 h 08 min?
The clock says 3 h 41 min
